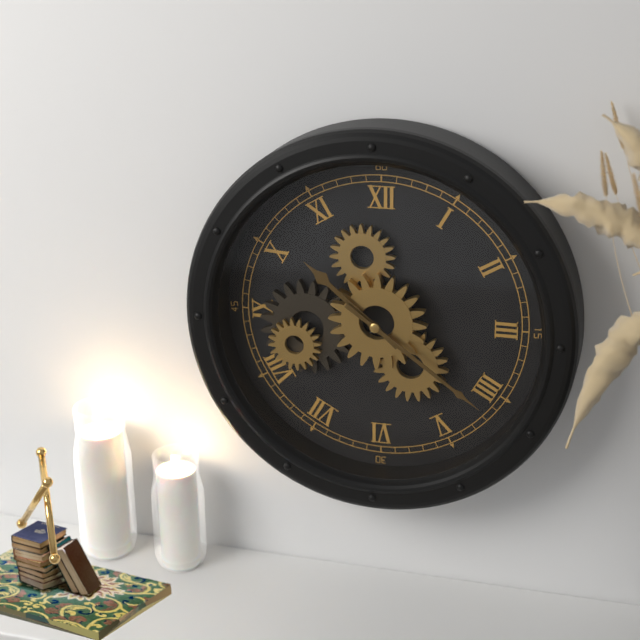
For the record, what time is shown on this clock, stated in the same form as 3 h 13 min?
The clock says 10 h 21 min
